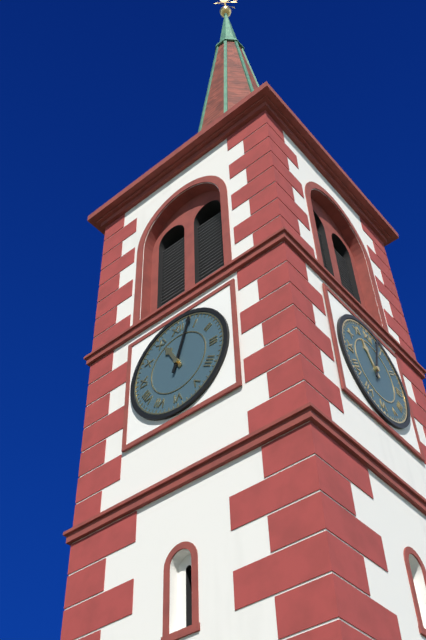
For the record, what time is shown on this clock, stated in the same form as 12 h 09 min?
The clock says 11 h 03 min
